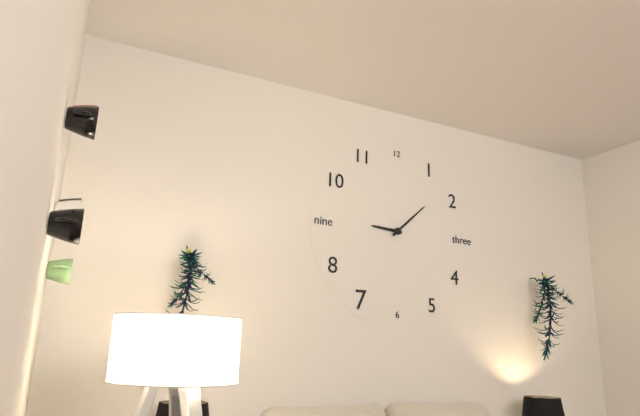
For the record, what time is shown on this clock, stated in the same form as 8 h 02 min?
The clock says 9 h 08 min
